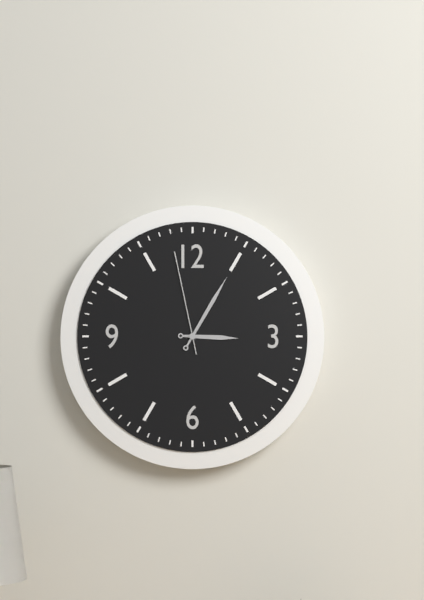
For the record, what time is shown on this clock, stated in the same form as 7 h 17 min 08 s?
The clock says 3 h 05 min 58 s
